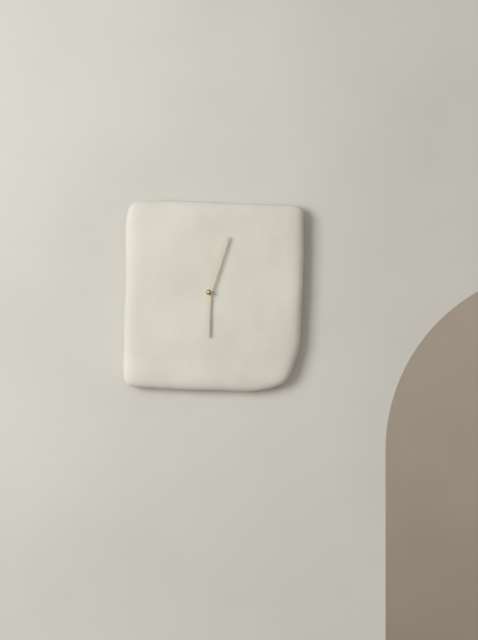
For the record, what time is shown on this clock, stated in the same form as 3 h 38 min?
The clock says 6 h 03 min
